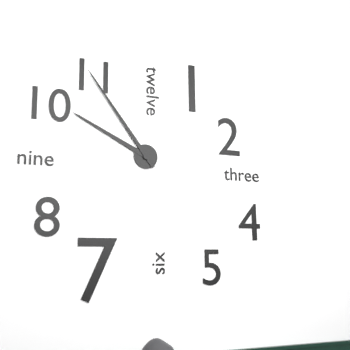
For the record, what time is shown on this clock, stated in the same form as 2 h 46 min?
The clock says 9 h 54 min
